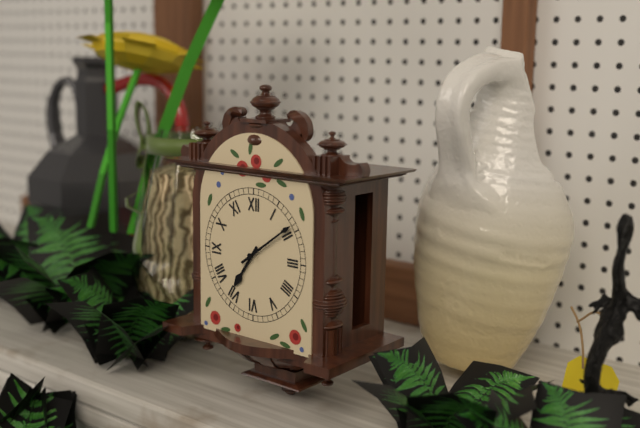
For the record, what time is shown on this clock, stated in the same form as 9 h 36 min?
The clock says 7 h 09 min
